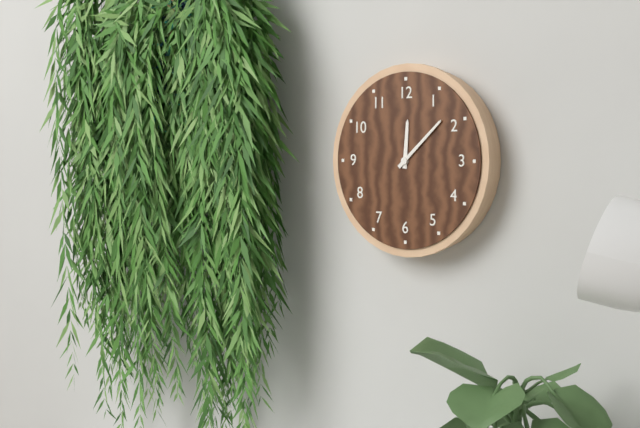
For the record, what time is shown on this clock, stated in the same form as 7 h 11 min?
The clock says 12 h 08 min
